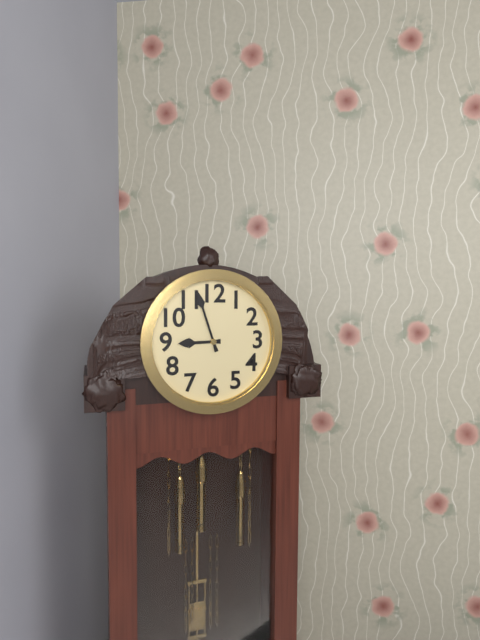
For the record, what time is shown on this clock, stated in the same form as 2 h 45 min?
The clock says 8 h 57 min
